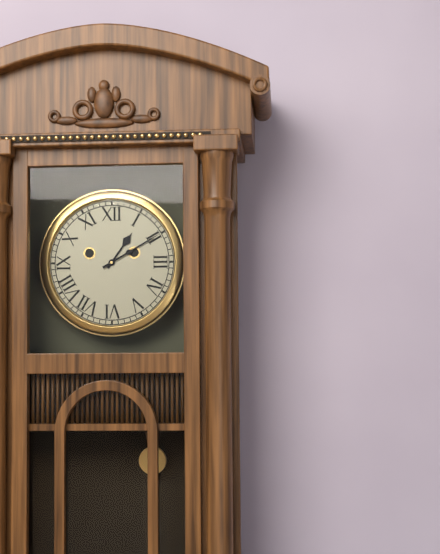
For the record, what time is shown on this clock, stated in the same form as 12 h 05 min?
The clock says 1 h 10 min
